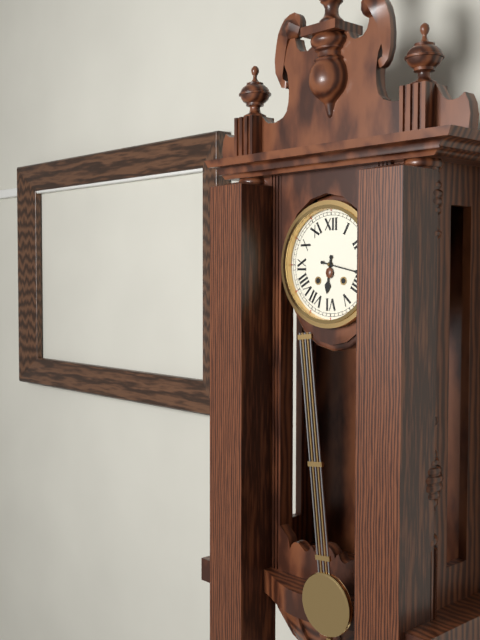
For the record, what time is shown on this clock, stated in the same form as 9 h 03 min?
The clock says 6 h 17 min
